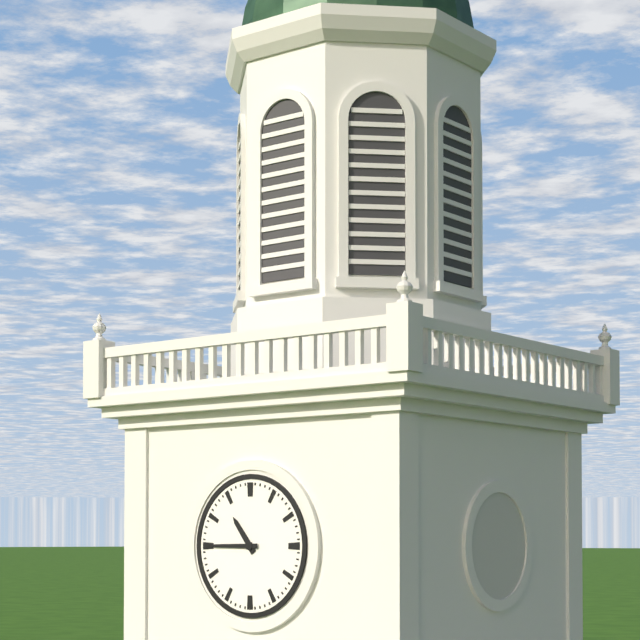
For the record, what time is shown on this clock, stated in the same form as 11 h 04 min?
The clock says 10 h 45 min
